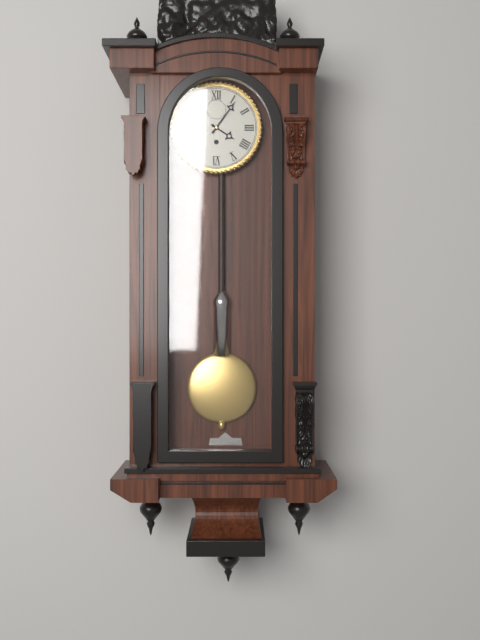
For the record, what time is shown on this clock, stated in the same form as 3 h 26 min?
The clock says 4 h 06 min
